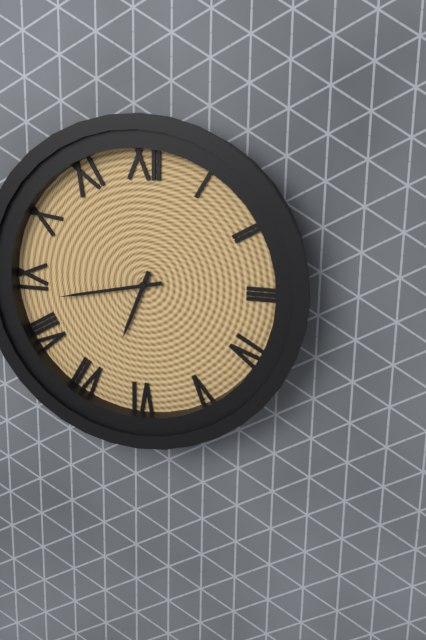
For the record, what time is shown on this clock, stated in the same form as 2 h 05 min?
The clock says 6 h 43 min
